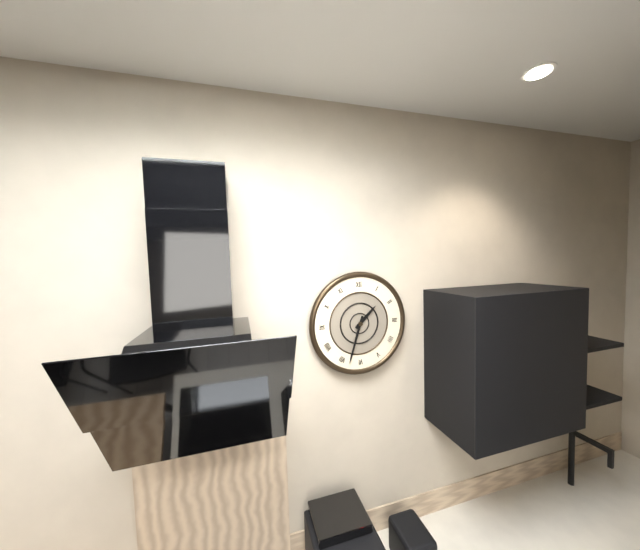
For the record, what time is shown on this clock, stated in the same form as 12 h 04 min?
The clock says 1 h 33 min
